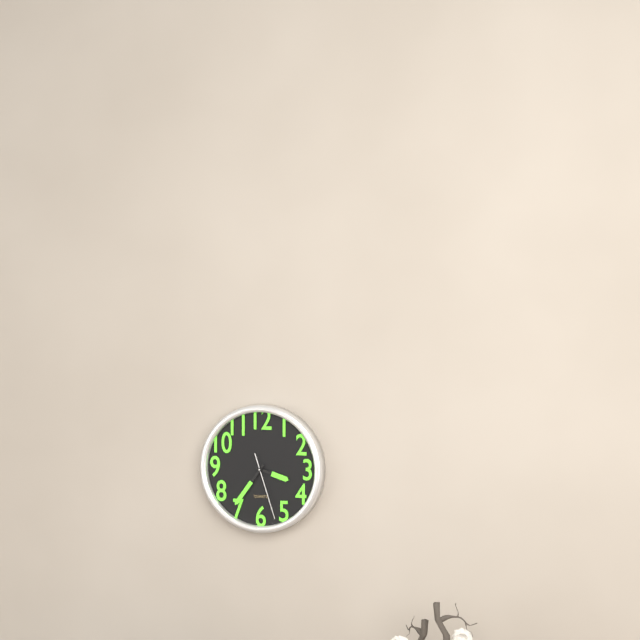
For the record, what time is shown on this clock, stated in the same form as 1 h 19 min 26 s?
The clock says 3 h 36 min 27 s
